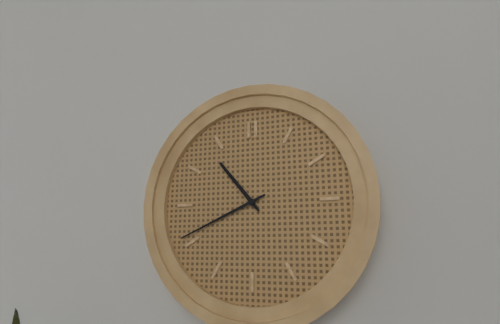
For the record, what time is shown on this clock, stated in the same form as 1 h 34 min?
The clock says 10 h 41 min
